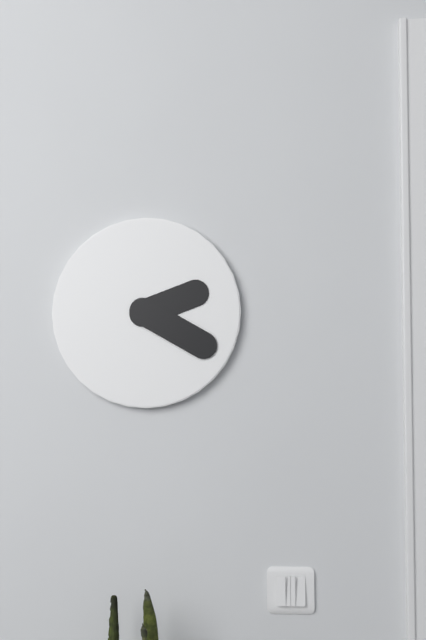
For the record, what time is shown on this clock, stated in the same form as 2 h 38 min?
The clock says 2 h 20 min
